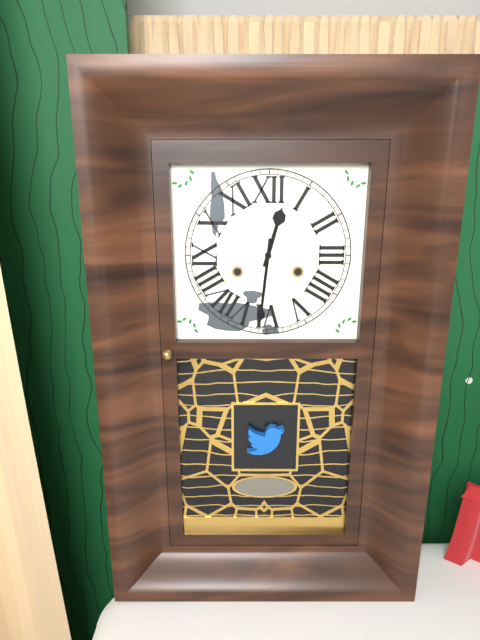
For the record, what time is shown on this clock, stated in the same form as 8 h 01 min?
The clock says 12 h 31 min
